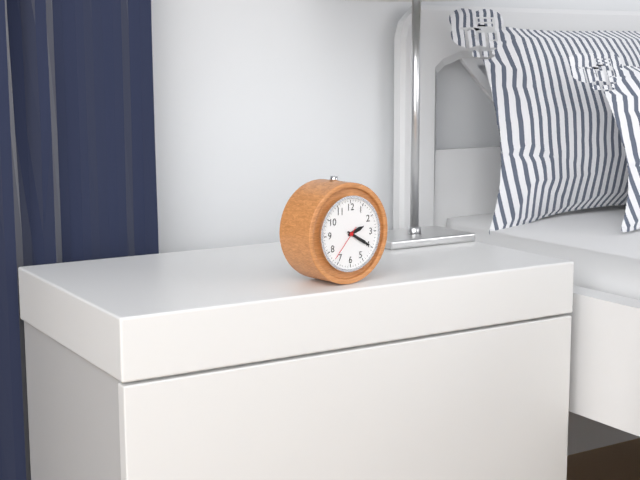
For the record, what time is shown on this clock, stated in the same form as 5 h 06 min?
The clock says 2 h 20 min
